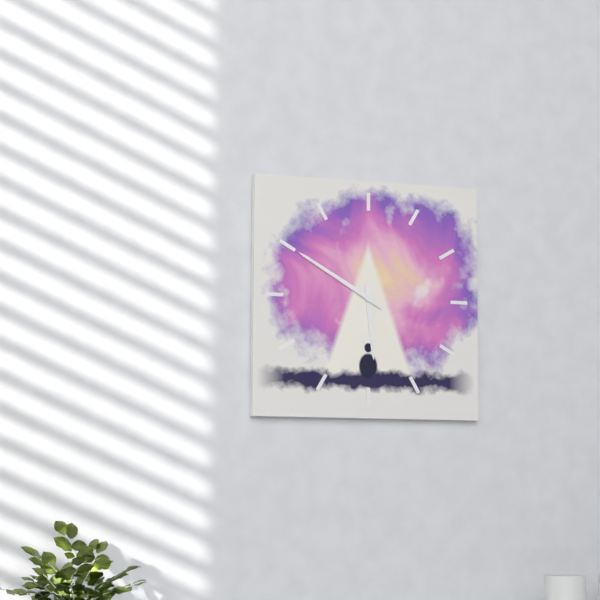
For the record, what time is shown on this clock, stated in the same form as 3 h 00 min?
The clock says 5 h 50 min
